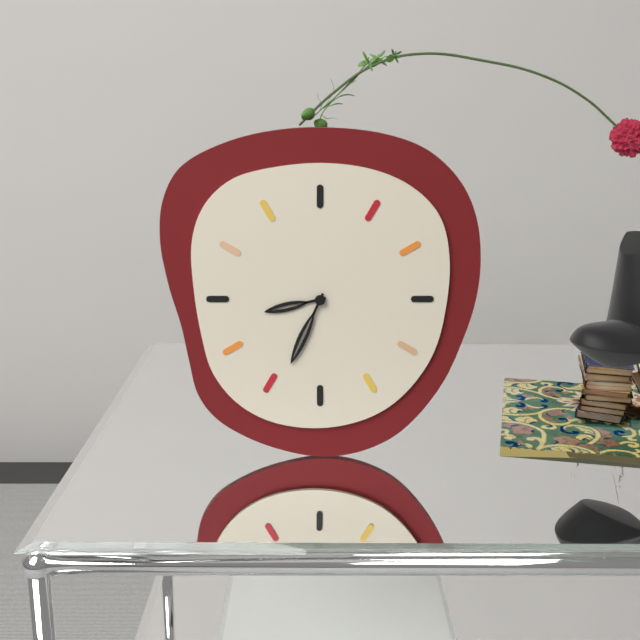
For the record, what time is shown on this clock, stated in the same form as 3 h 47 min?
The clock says 8 h 34 min
